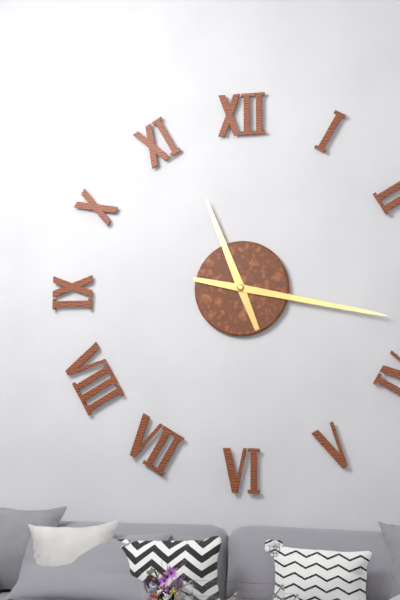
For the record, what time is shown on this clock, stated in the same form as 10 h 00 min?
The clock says 11 h 17 min
